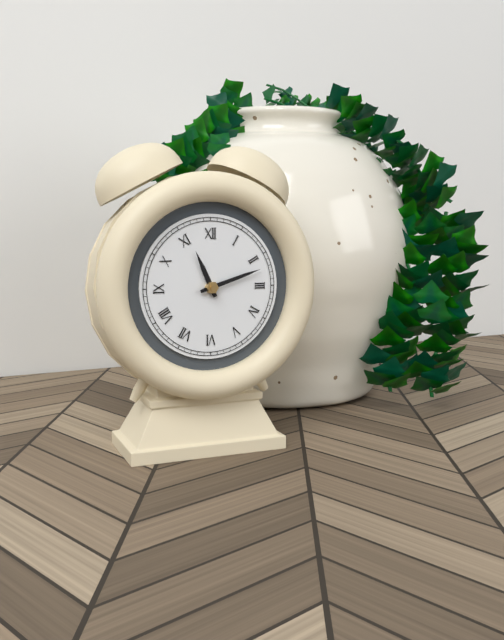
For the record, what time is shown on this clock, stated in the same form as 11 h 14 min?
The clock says 11 h 12 min
